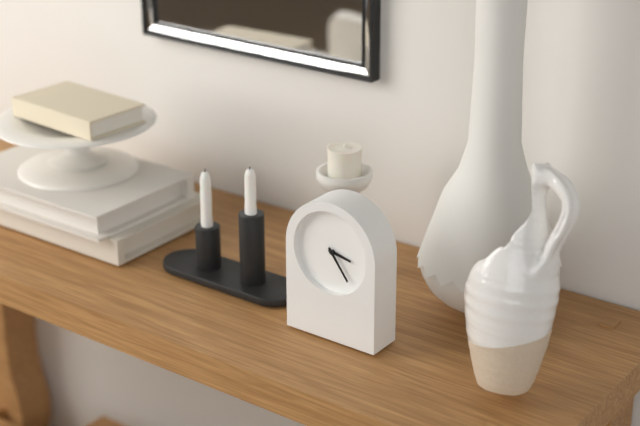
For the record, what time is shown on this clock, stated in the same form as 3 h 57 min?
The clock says 3 h 24 min
